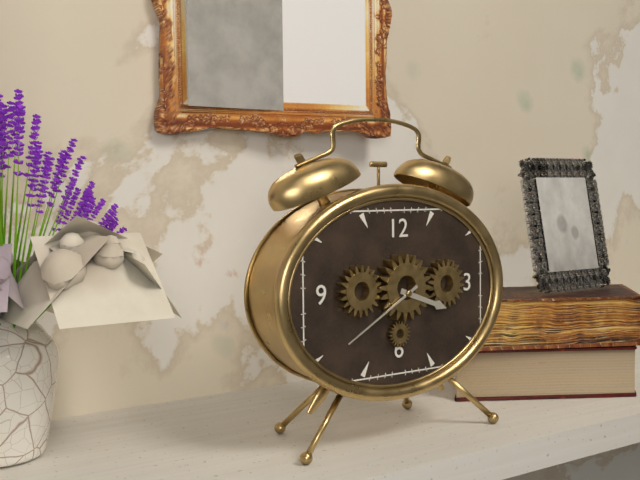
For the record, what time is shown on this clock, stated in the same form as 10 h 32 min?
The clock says 3 h 40 min
